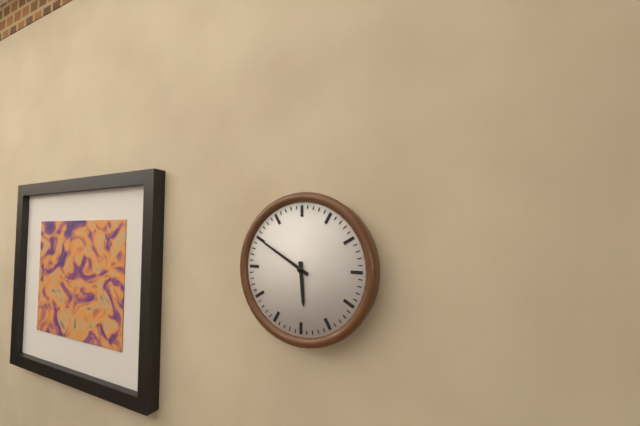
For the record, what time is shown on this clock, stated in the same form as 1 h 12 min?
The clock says 5 h 50 min
